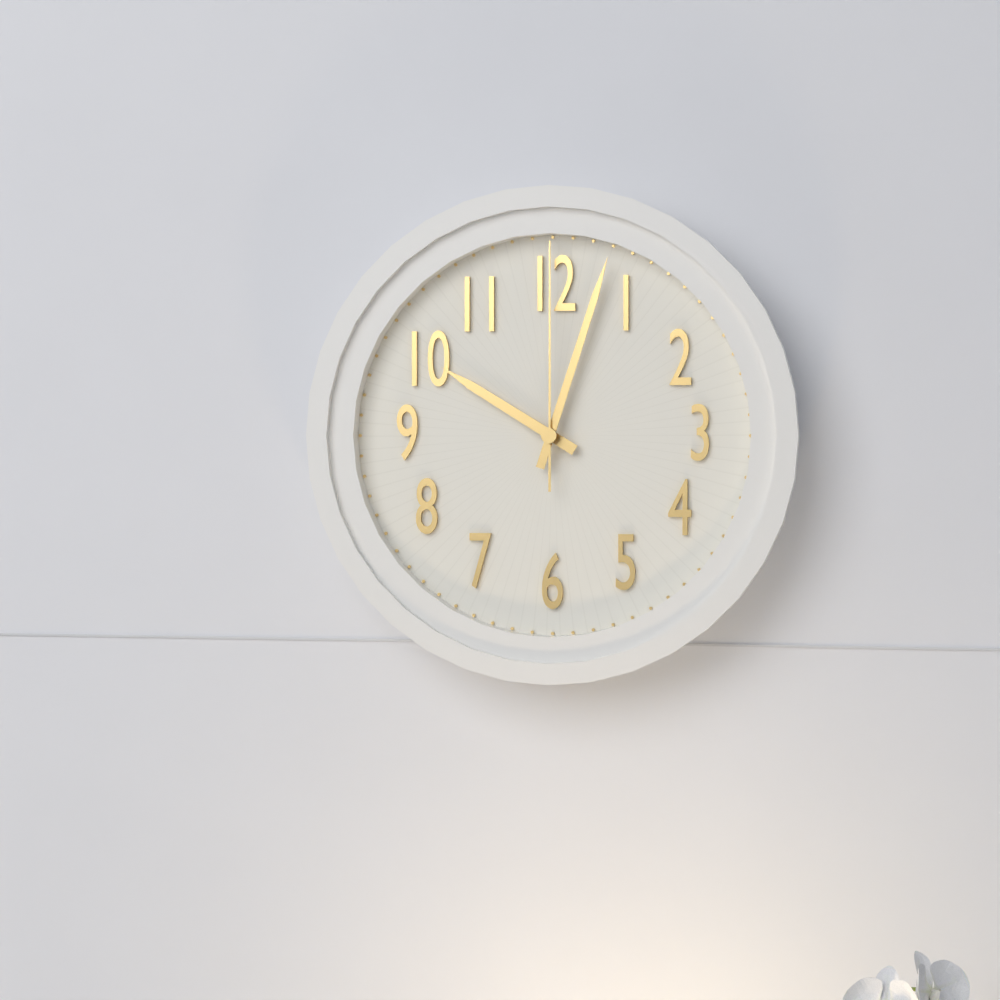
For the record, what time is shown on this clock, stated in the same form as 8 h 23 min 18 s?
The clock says 10 h 03 min 00 s
